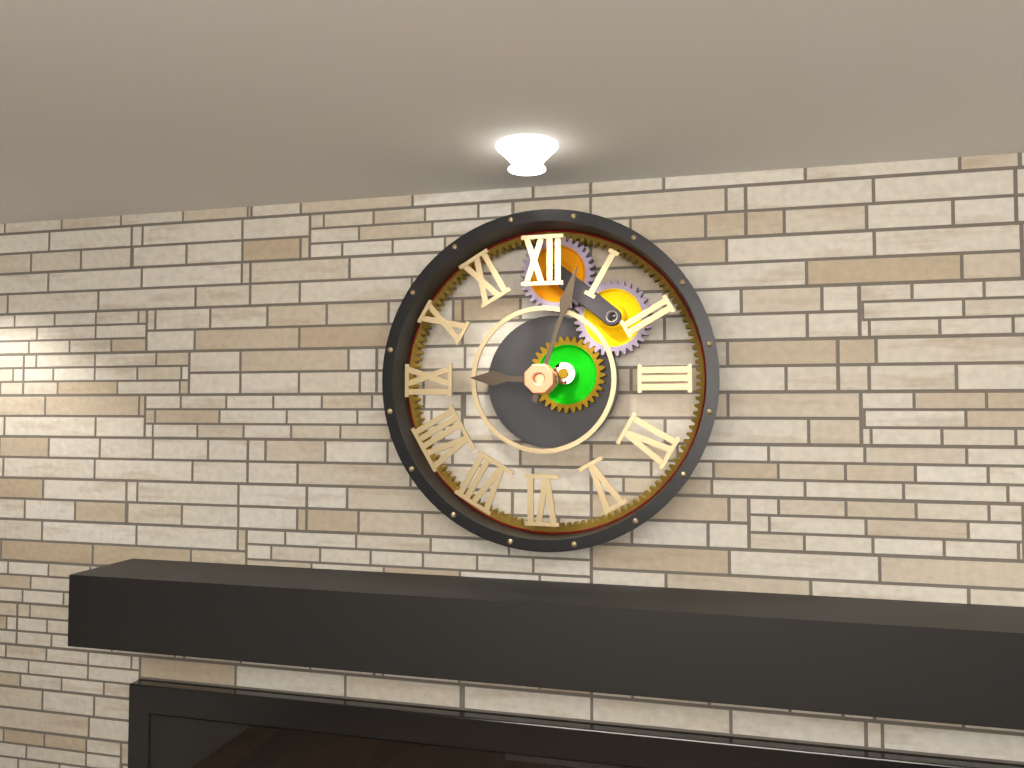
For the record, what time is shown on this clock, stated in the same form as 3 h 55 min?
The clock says 9 h 03 min
